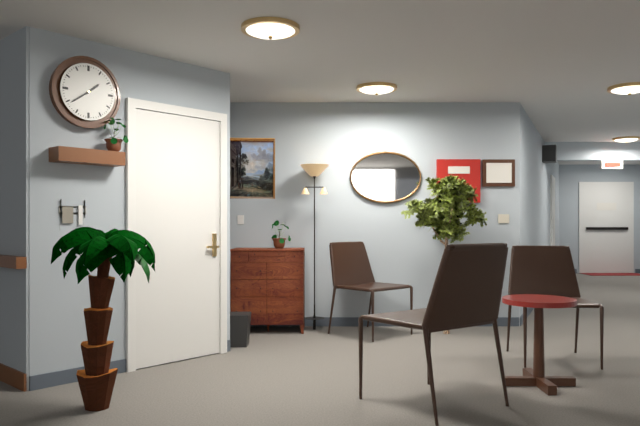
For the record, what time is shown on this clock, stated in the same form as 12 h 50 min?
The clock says 1 h 39 min
